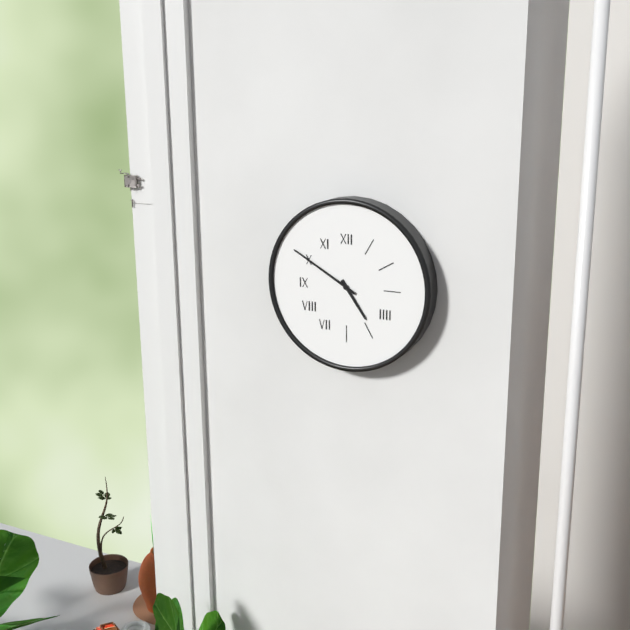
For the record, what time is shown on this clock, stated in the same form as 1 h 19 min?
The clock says 4 h 50 min
